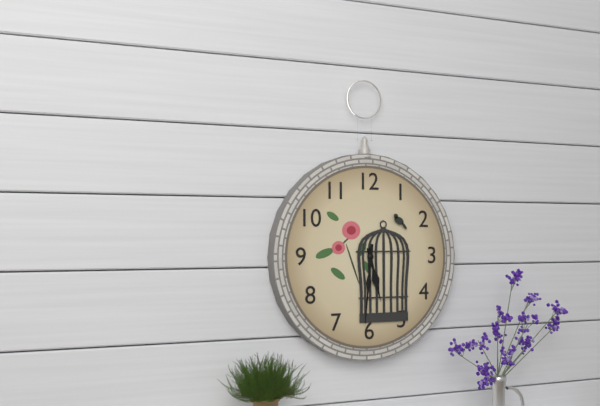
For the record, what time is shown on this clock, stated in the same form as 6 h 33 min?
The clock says 5 h 31 min
